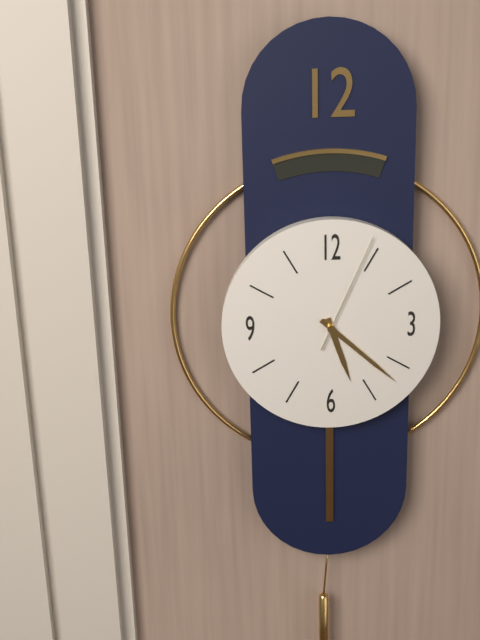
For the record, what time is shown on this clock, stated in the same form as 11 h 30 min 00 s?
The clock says 5 h 22 min 04 s
